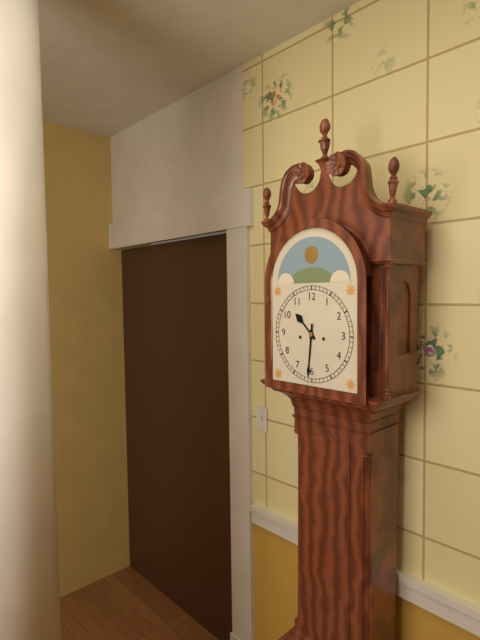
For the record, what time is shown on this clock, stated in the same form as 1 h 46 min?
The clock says 10 h 31 min
